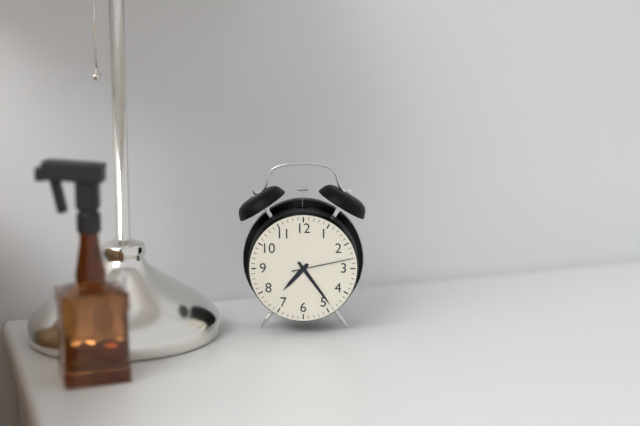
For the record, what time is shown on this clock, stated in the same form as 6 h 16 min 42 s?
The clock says 7 h 24 min 13 s
